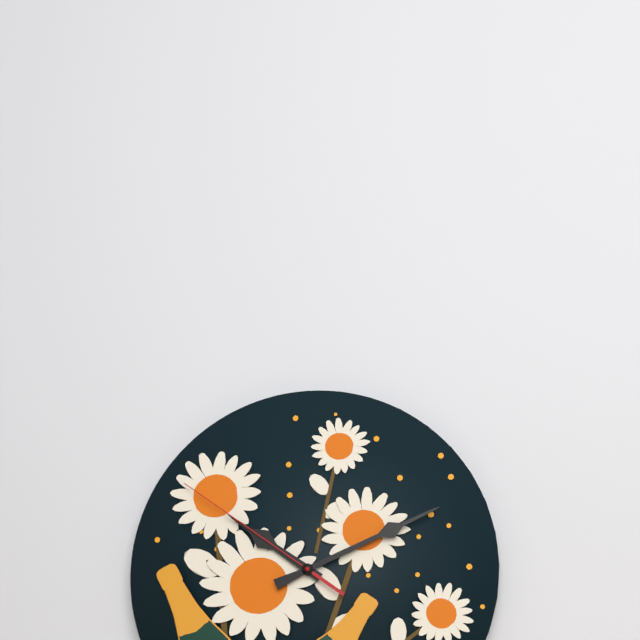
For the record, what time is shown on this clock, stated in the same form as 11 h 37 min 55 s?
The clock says 10 h 11 min 51 s
